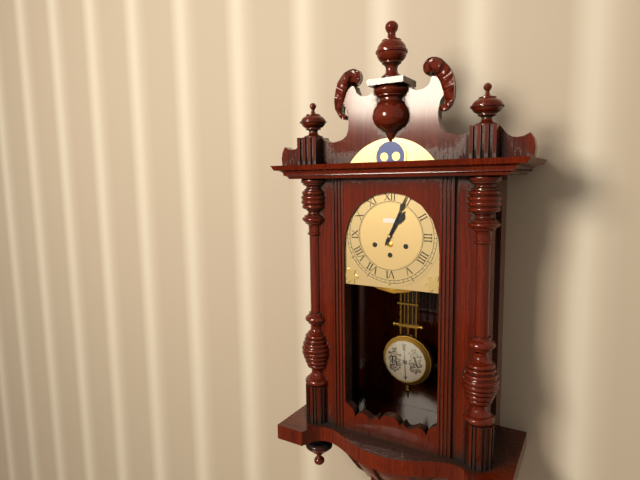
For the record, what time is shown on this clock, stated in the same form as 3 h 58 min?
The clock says 1 h 04 min
